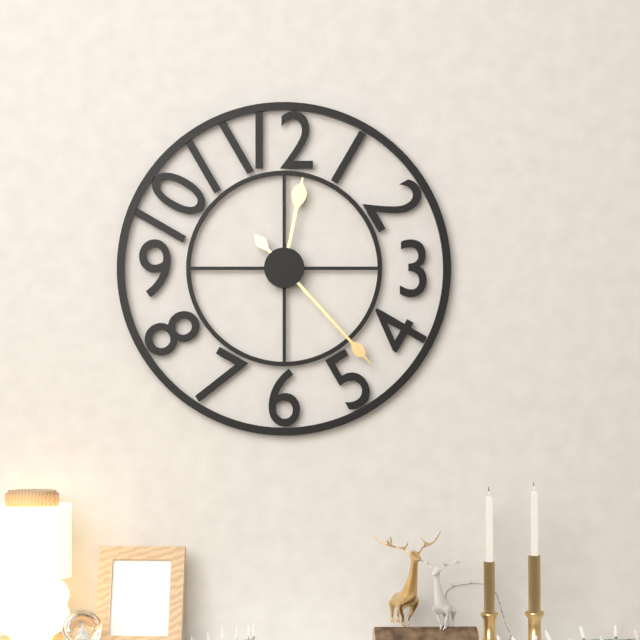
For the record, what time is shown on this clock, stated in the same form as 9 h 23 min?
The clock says 12 h 23 min
